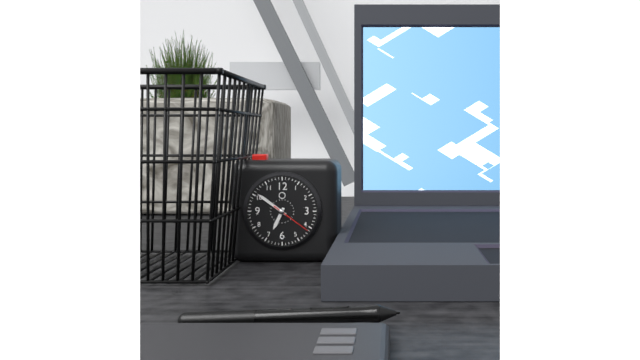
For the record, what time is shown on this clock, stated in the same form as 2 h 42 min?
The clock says 6 h 51 min
